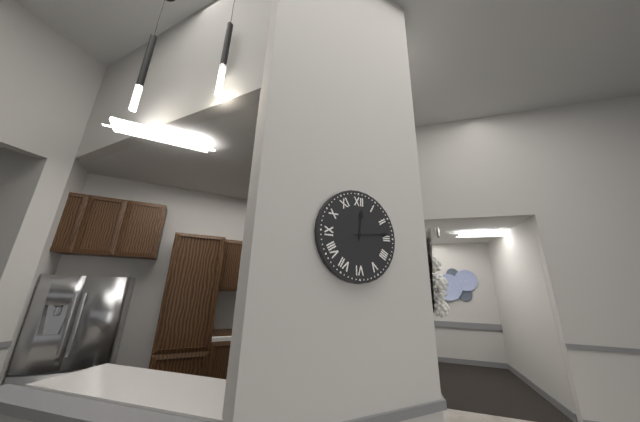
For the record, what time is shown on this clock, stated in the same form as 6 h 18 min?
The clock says 12 h 14 min
